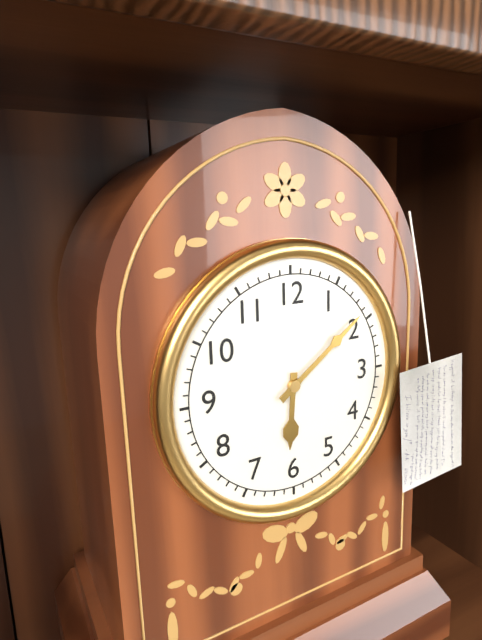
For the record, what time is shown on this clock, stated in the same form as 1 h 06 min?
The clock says 6 h 09 min
